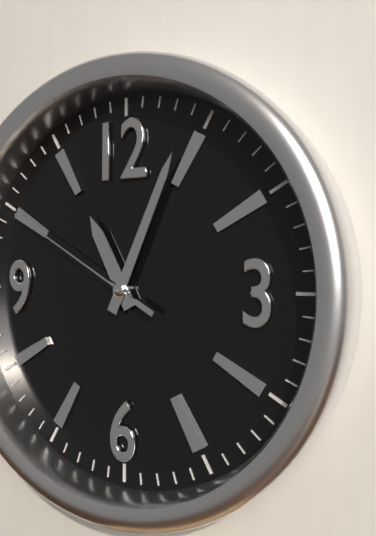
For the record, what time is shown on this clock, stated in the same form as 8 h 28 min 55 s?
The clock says 11 h 04 min 50 s
